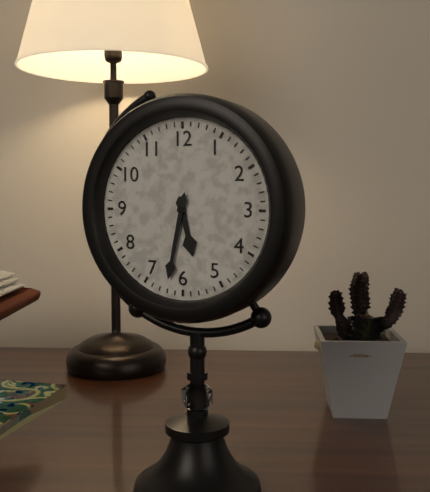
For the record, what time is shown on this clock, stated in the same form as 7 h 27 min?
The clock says 5 h 32 min
